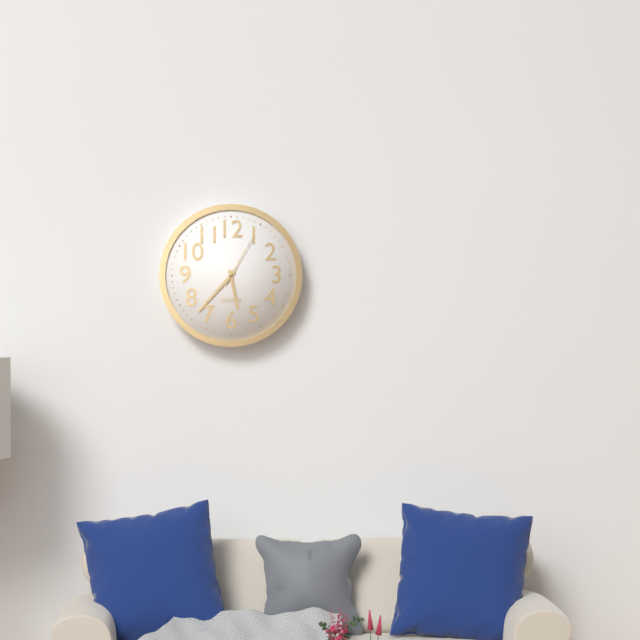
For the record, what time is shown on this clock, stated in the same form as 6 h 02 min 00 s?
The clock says 5 h 37 min 05 s
